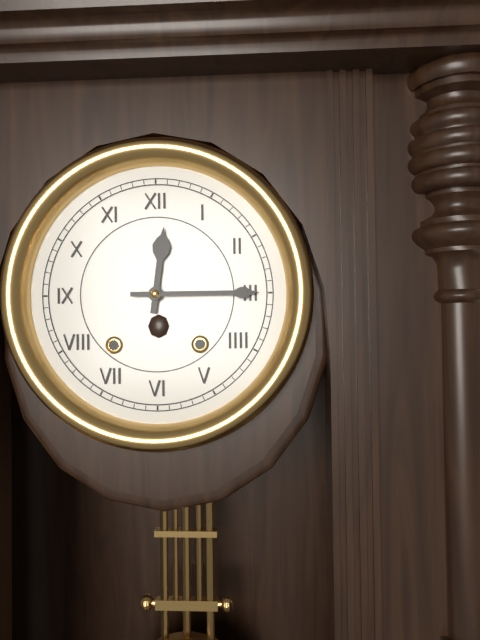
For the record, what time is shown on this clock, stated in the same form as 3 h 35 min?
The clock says 12 h 15 min
